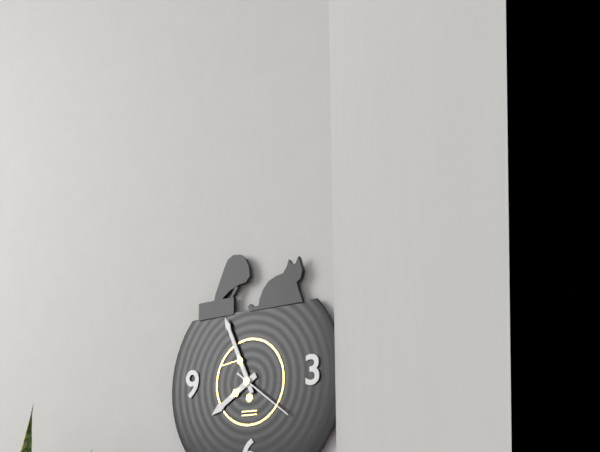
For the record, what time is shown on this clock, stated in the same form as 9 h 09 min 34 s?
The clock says 7 h 56 min 21 s
